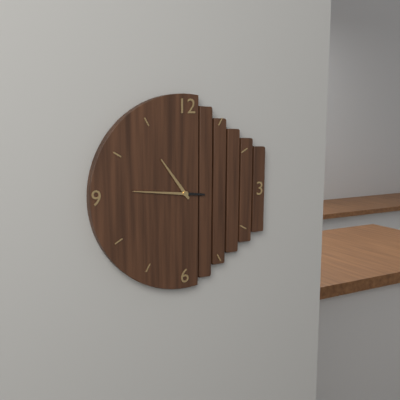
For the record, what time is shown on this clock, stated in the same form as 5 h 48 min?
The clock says 10 h 46 min
